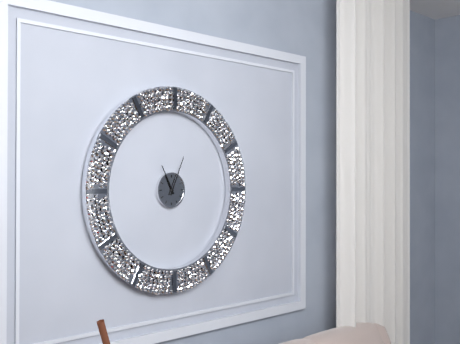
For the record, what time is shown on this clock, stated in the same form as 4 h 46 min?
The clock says 11 h 04 min
